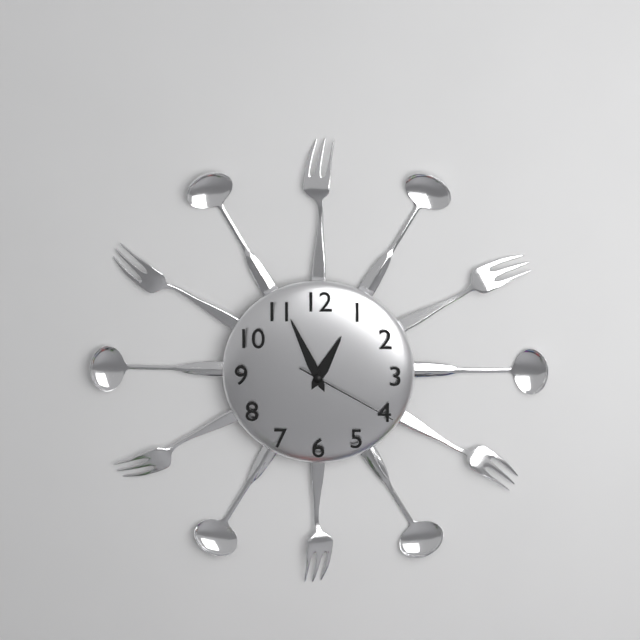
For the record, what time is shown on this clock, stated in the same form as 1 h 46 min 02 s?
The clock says 12 h 56 min 20 s
